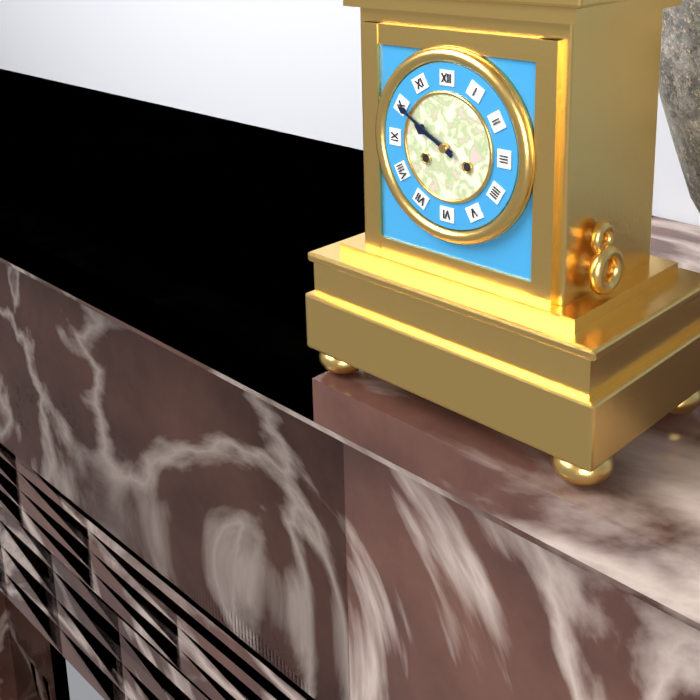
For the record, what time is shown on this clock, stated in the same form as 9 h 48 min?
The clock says 9 h 50 min
